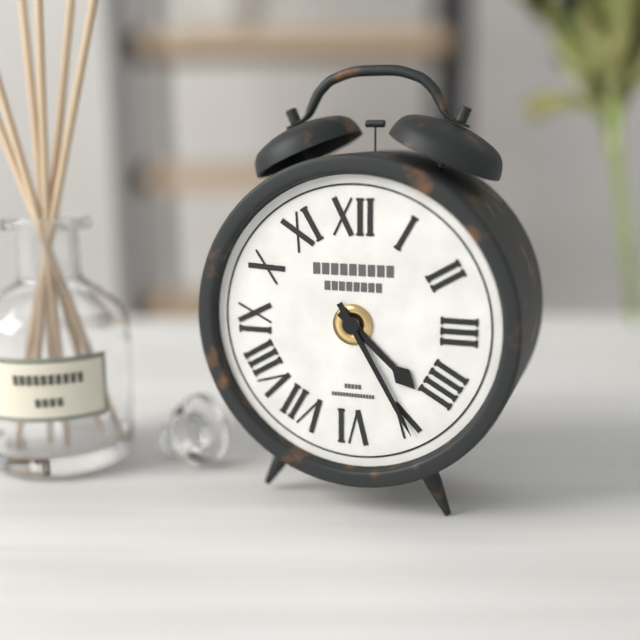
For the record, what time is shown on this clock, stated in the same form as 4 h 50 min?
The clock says 4 h 25 min
